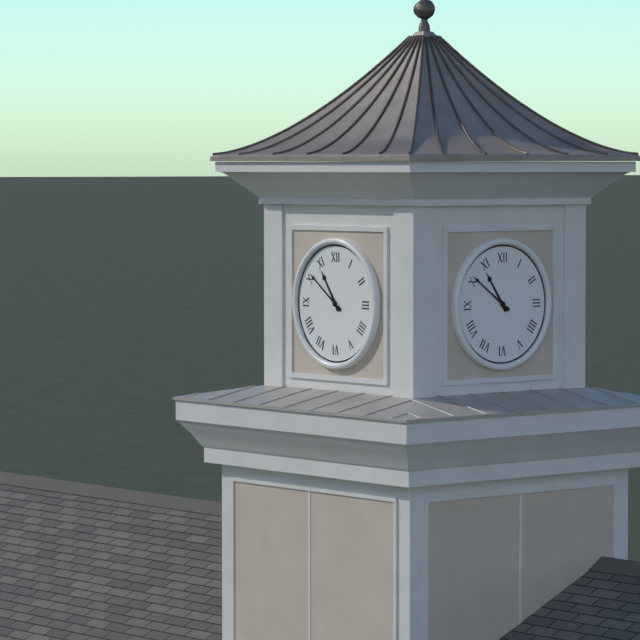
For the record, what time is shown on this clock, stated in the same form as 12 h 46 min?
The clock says 10 h 51 min
